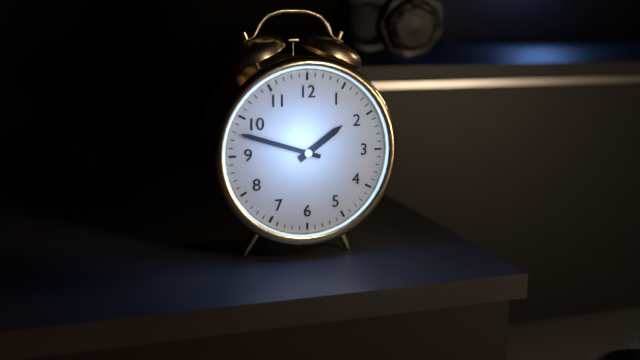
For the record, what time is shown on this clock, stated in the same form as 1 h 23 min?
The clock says 1 h 48 min
